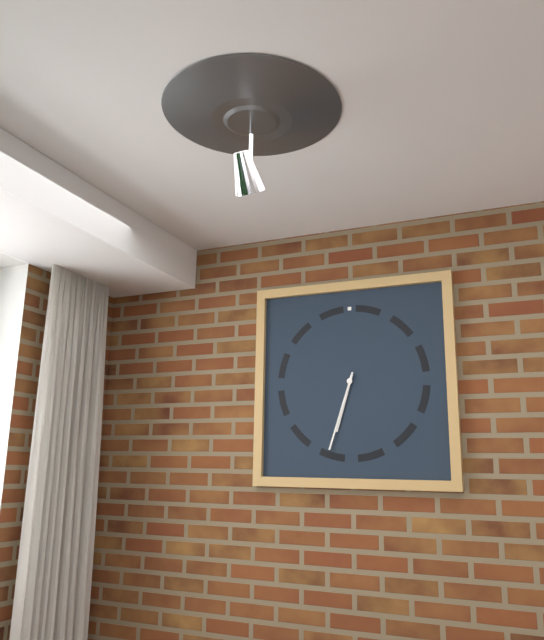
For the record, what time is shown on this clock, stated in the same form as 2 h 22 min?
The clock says 6 h 33 min
